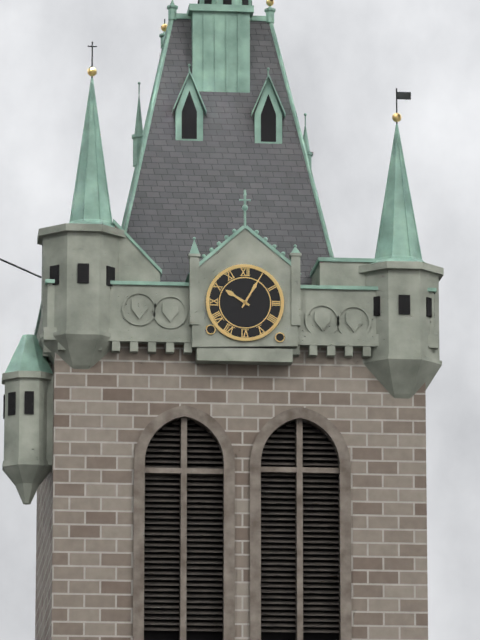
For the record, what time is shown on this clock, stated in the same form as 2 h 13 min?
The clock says 10 h 05 min
